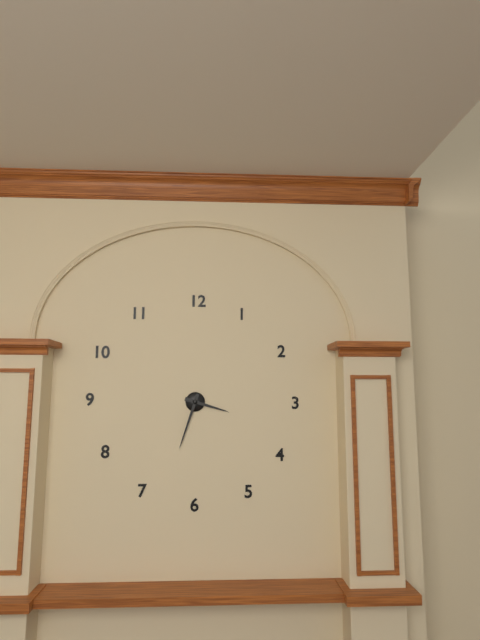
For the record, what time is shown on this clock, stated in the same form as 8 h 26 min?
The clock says 3 h 33 min
